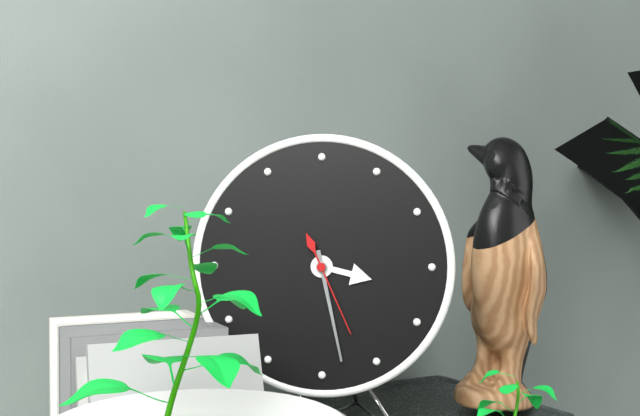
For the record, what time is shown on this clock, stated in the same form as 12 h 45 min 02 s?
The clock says 3 h 28 min 26 s
